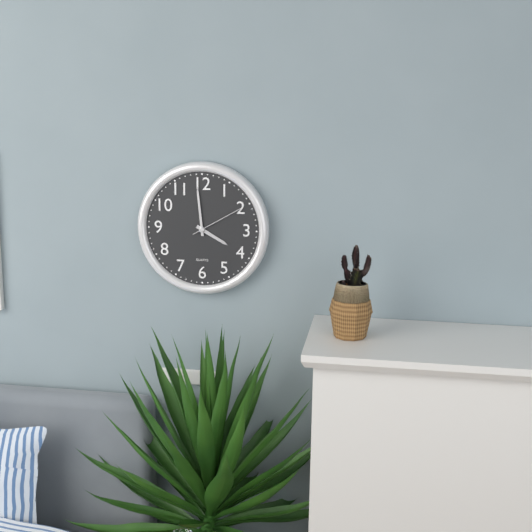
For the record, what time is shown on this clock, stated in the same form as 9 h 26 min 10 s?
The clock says 3 h 59 min 10 s
